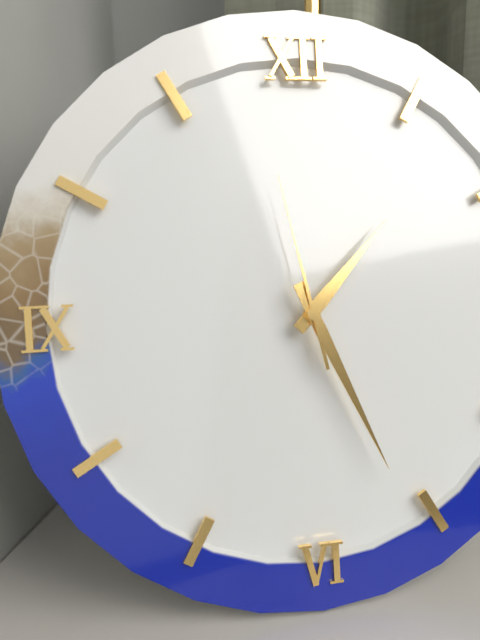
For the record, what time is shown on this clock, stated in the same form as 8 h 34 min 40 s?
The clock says 1 h 26 min 58 s
